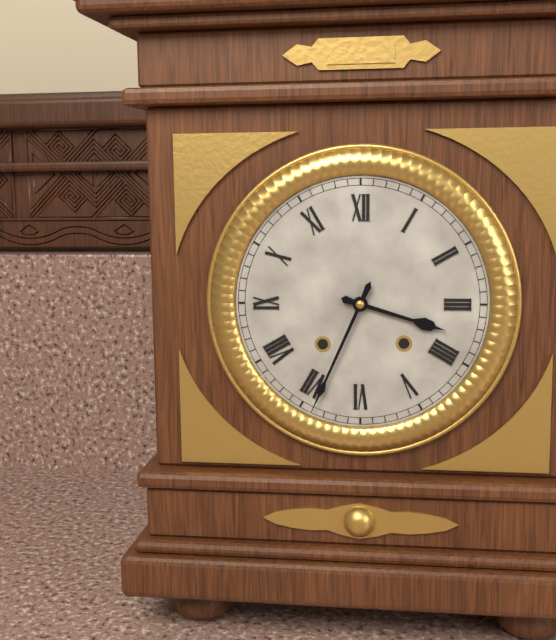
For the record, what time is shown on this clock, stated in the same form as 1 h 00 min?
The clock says 3 h 34 min
